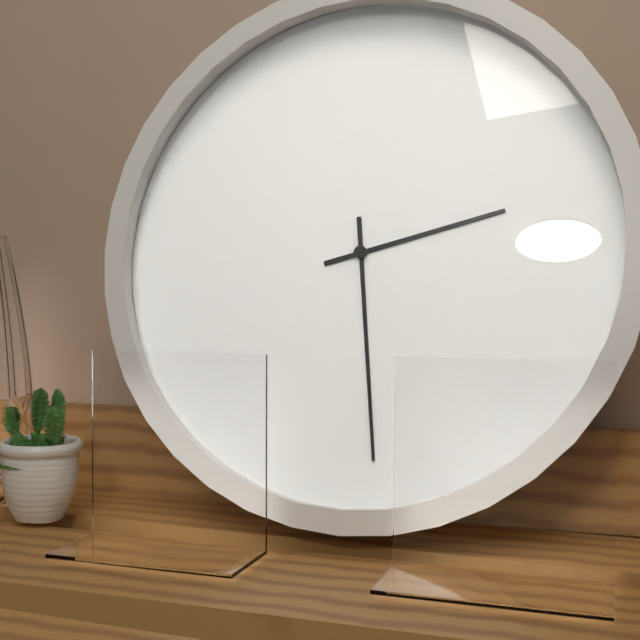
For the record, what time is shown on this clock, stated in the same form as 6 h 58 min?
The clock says 2 h 29 min
